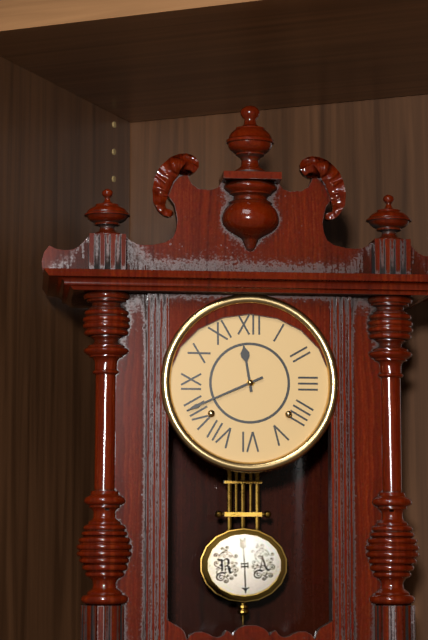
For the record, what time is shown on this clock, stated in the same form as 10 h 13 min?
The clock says 11 h 41 min
